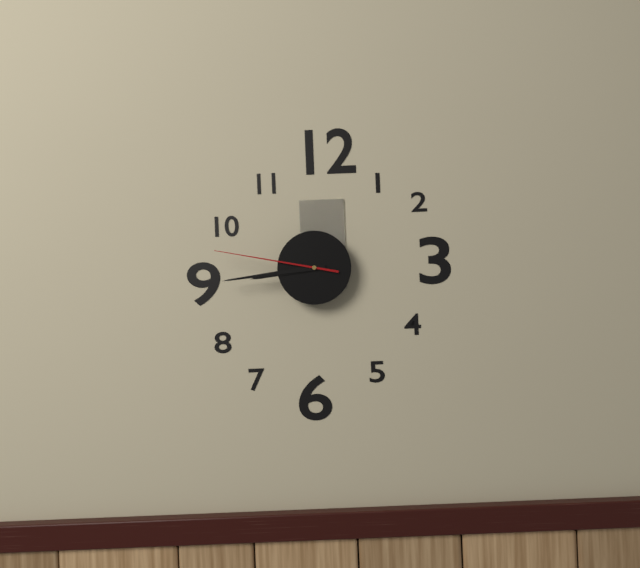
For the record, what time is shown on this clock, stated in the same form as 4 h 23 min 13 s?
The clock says 8 h 44 min 47 s
